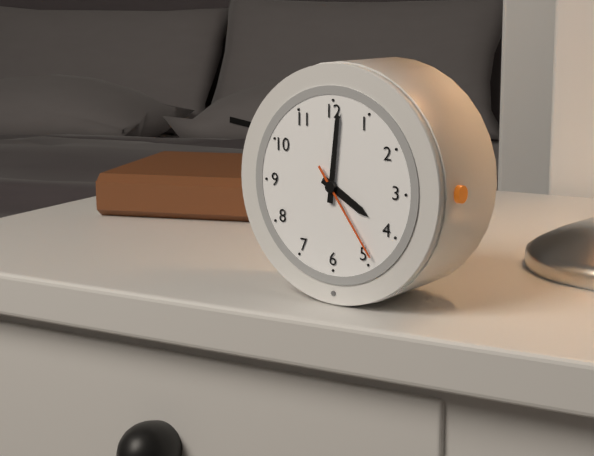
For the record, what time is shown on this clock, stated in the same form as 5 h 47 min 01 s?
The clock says 4 h 01 min 24 s
